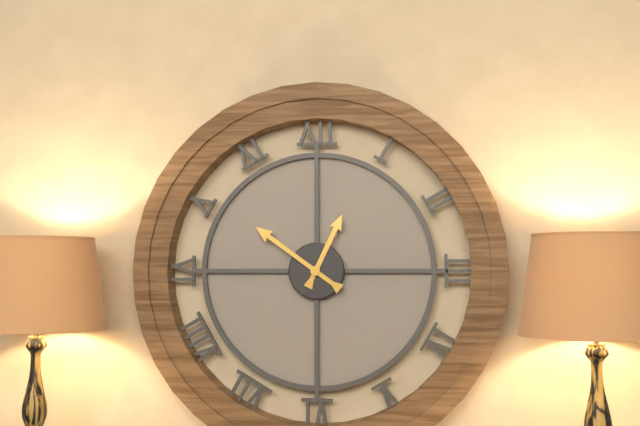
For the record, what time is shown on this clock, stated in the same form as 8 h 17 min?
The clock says 12 h 51 min
